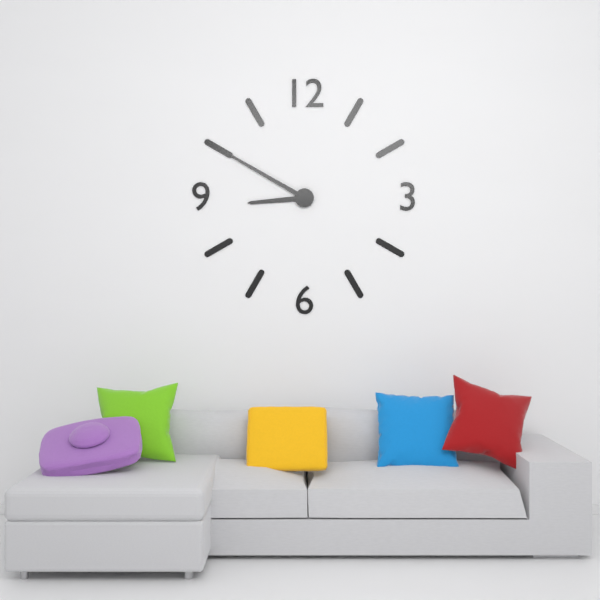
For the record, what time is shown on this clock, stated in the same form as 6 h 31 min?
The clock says 8 h 50 min
